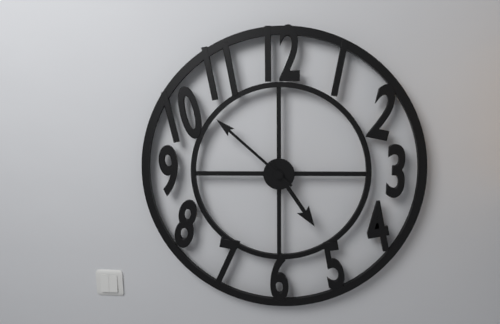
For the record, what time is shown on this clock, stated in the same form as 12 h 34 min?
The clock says 4 h 52 min
